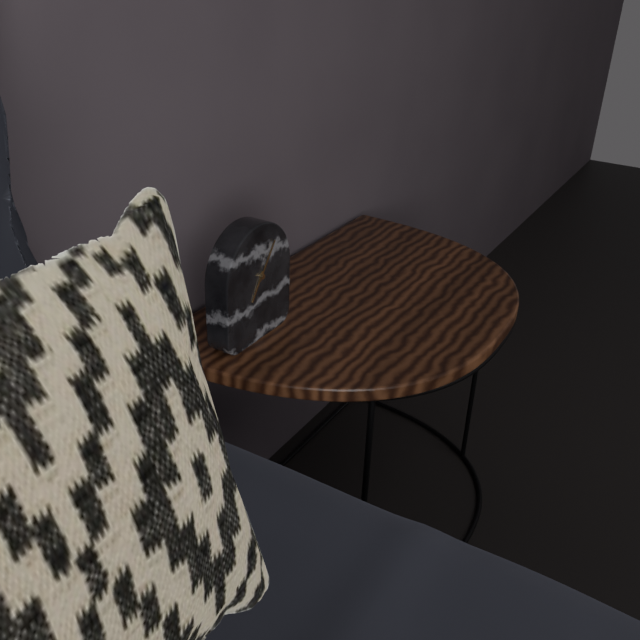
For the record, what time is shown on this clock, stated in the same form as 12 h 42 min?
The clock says 7 h 06 min
